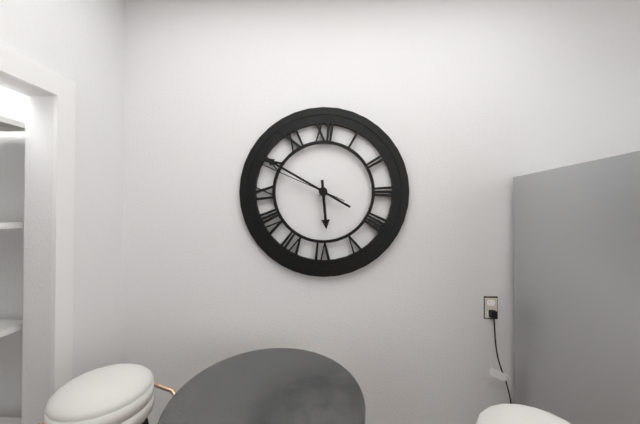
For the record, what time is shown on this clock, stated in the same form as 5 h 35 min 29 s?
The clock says 5 h 50 min 49 s
